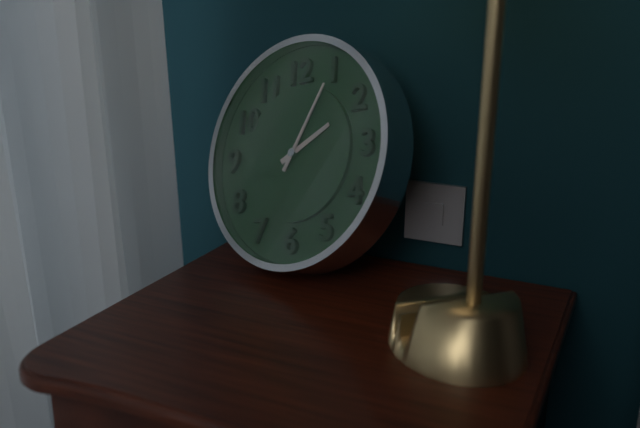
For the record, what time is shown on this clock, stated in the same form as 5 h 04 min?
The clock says 2 h 05 min
